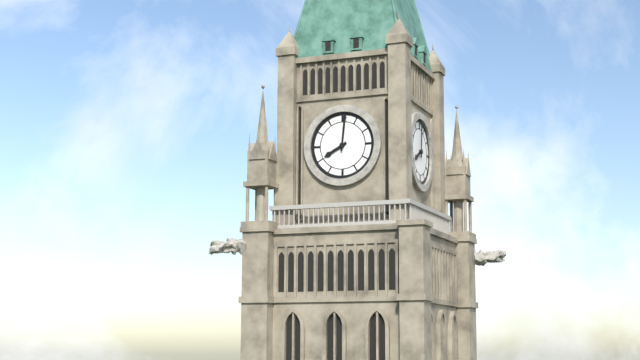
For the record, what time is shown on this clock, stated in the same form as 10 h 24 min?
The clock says 8 h 01 min
